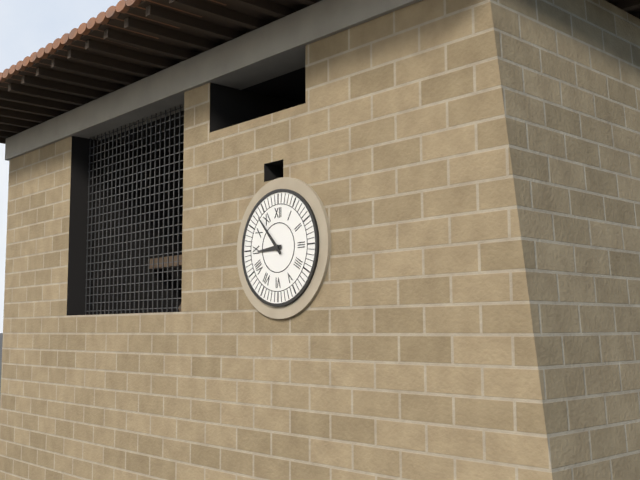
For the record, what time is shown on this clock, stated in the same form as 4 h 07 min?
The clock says 8 h 53 min
